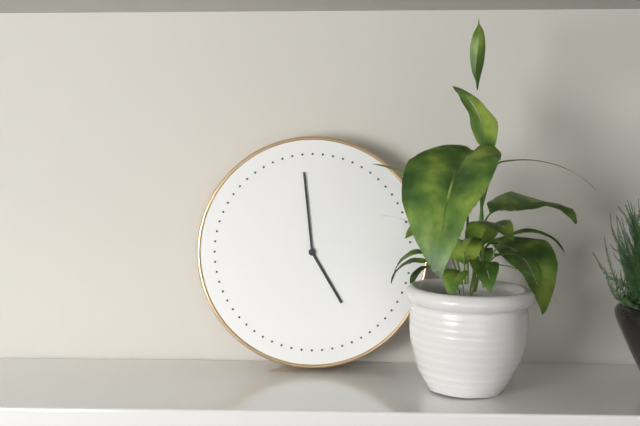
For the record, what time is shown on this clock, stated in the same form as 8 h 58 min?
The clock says 4 h 59 min
